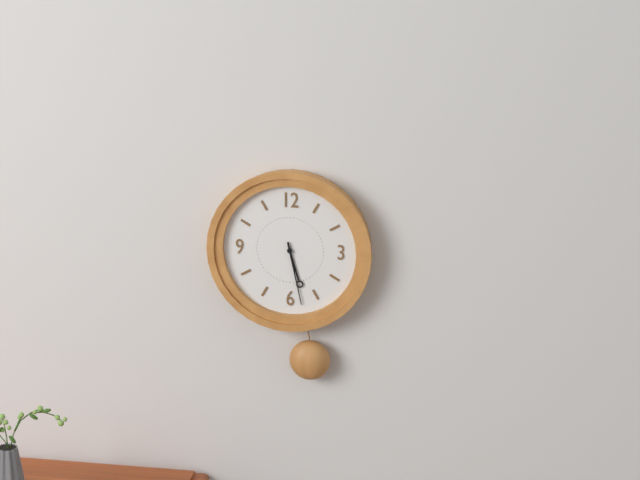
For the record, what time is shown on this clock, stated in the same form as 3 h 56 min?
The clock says 5 h 28 min
